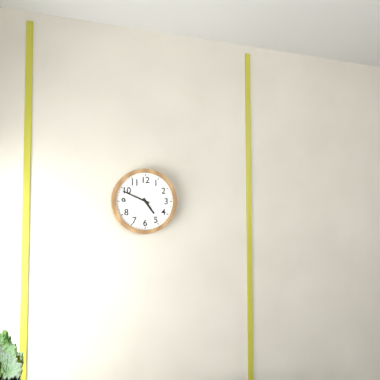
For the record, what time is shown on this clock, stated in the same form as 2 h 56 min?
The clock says 4 h 49 min
